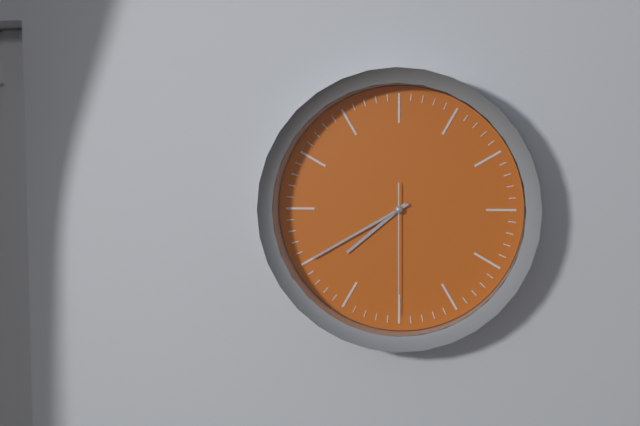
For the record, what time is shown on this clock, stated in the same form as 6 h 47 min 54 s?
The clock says 7 h 40 min 30 s
